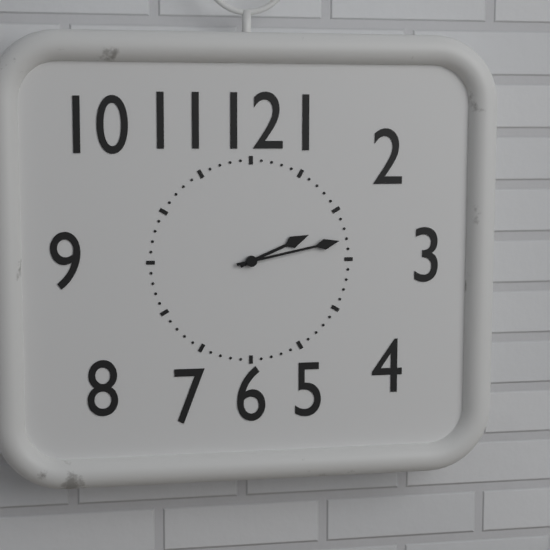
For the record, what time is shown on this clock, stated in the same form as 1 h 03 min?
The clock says 2 h 13 min
